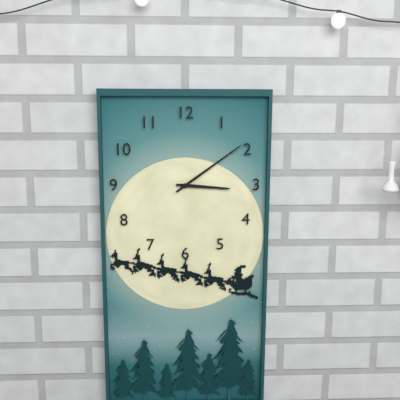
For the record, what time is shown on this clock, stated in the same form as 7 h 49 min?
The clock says 3 h 09 min
